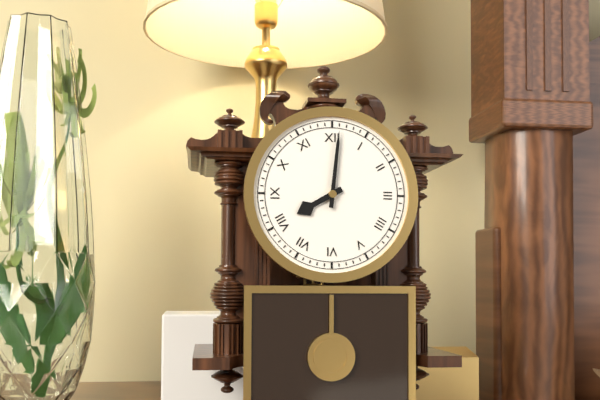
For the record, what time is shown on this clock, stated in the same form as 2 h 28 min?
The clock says 8 h 01 min
